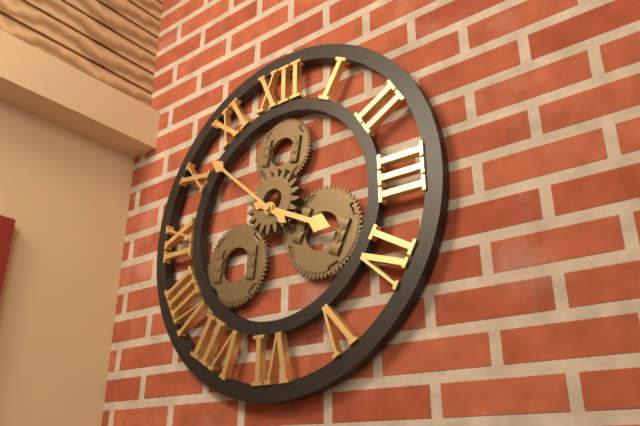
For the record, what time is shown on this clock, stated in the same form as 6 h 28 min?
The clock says 3 h 52 min
